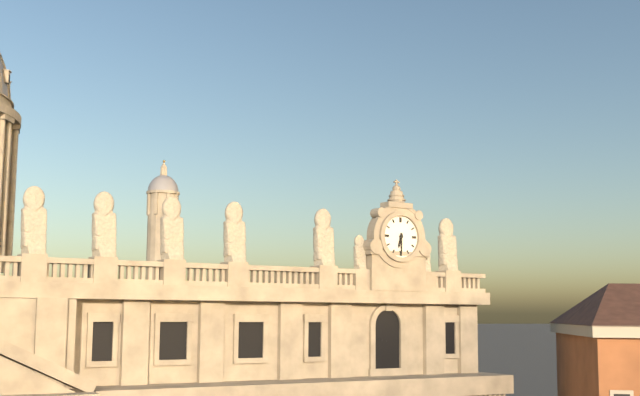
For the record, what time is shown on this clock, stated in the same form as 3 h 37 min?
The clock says 6 h 30 min
